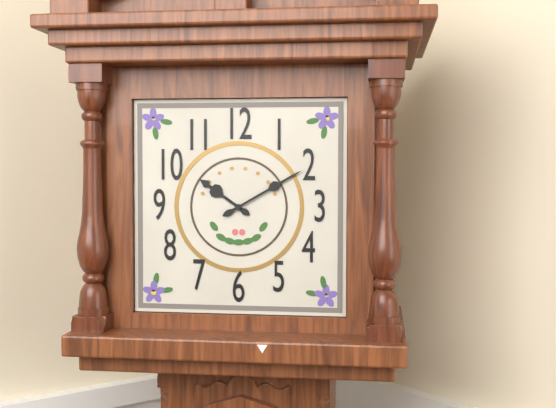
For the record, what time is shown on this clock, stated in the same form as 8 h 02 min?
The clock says 10 h 10 min
